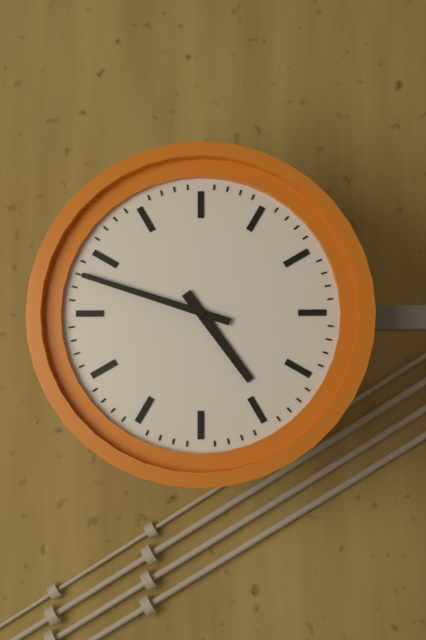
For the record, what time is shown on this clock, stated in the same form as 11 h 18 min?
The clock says 4 h 48 min
